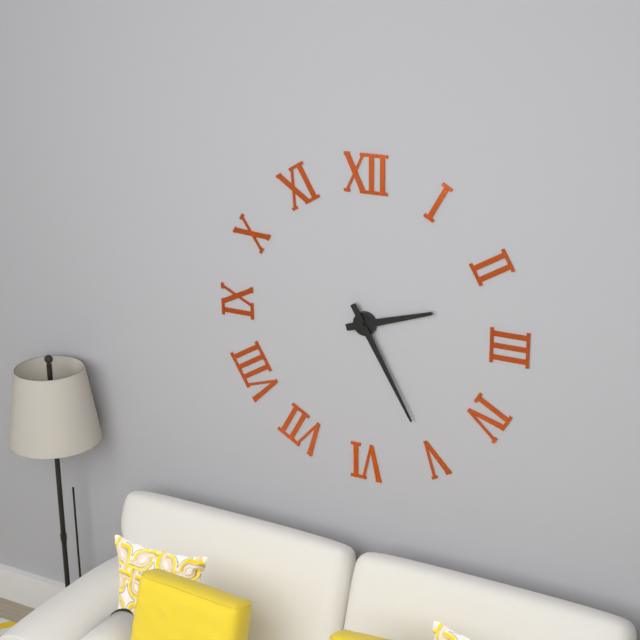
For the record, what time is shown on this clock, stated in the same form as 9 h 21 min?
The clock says 2 h 25 min
